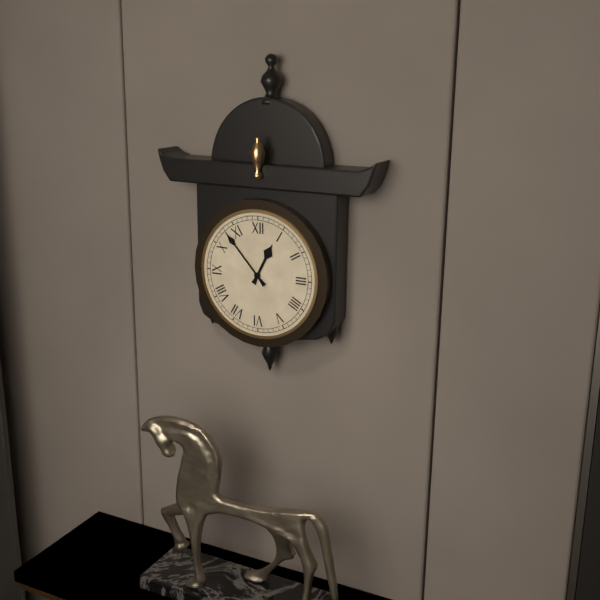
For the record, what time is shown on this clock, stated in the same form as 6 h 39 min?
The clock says 12 h 53 min
